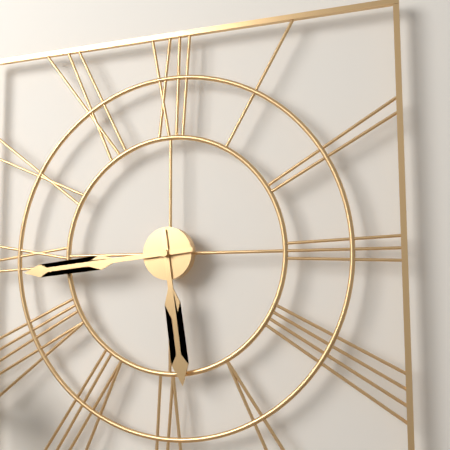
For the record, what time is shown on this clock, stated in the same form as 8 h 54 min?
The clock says 5 h 44 min
